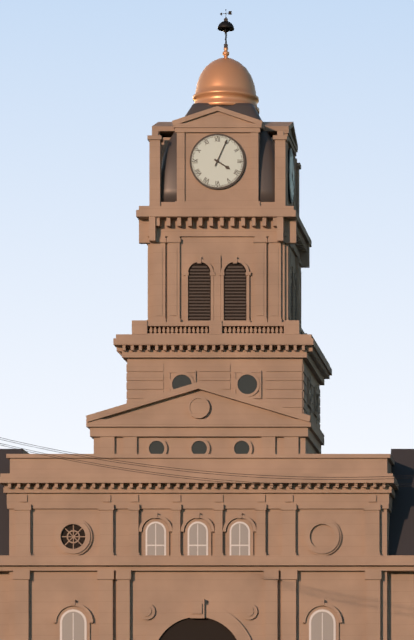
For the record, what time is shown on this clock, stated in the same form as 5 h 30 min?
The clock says 4 h 04 min
